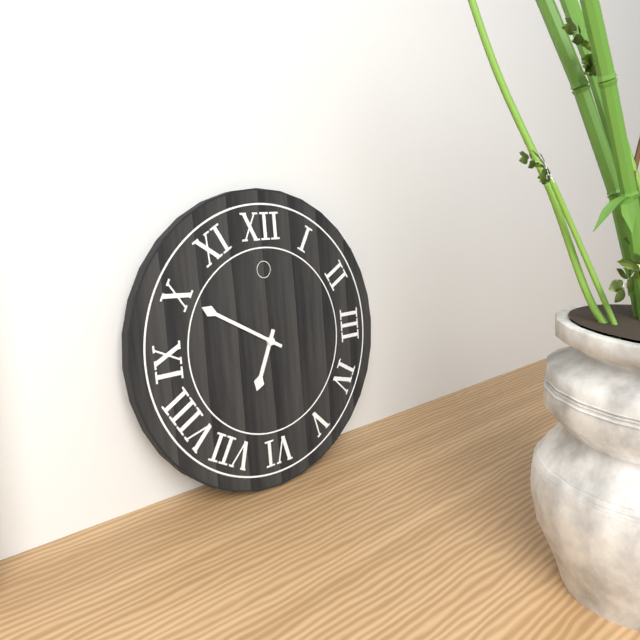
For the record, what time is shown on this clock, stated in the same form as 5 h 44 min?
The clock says 6 h 50 min
